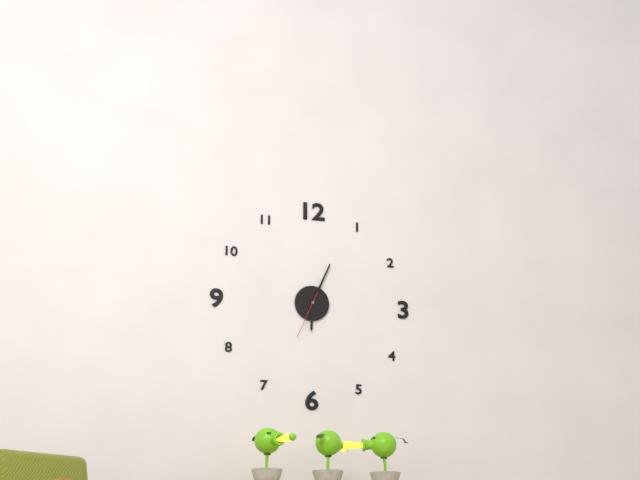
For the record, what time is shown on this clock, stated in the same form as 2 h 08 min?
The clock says 6 h 04 min
